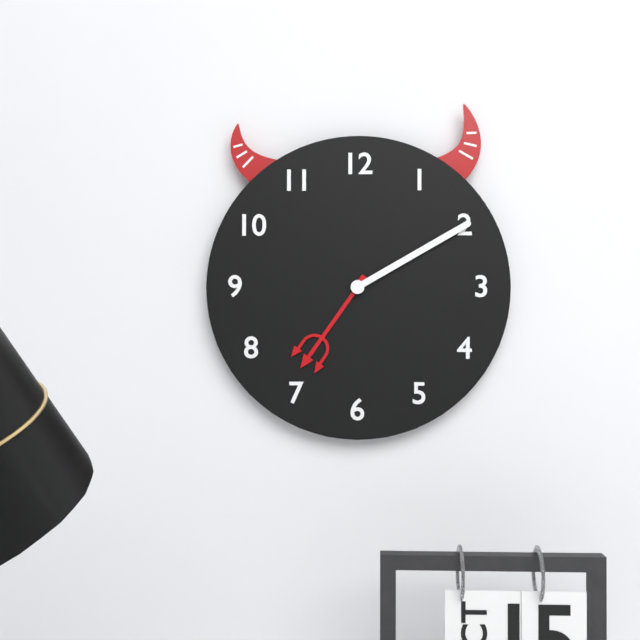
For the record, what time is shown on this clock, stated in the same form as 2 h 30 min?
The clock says 7 h 10 min
